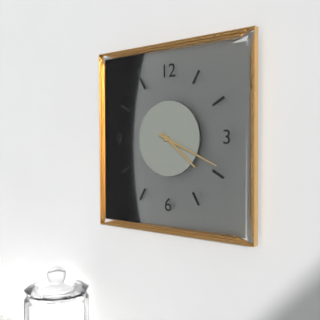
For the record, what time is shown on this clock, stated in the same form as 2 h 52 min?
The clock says 4 h 19 min
